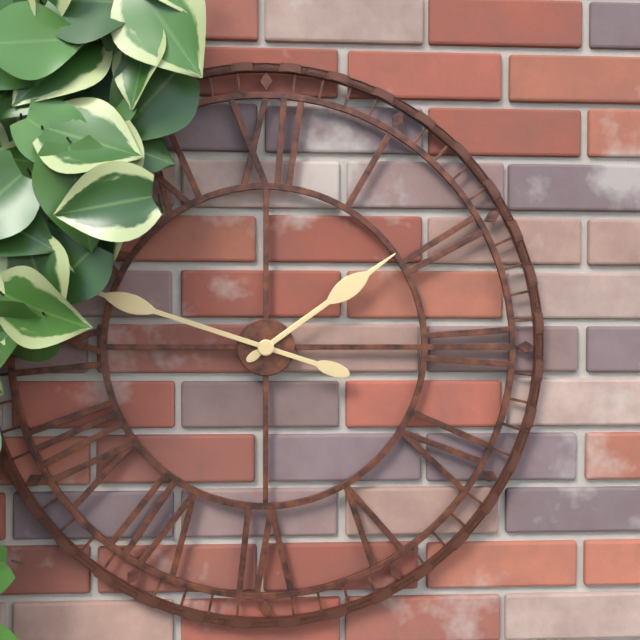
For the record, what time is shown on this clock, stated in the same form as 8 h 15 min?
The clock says 1 h 48 min
